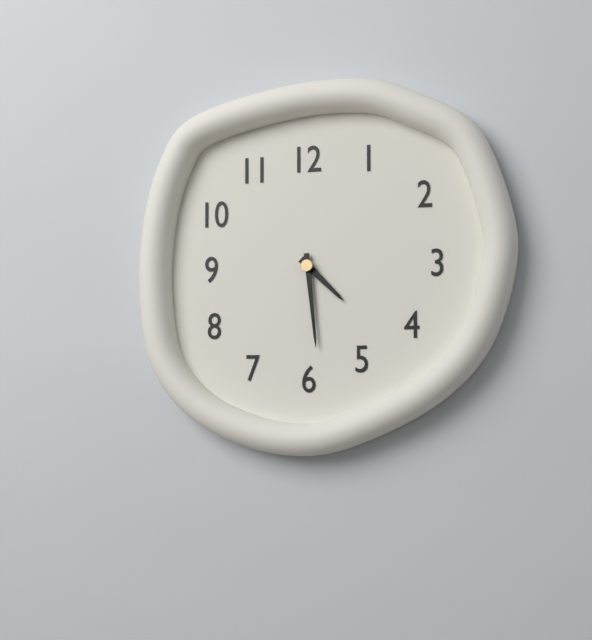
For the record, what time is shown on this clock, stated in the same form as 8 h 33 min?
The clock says 4 h 29 min
